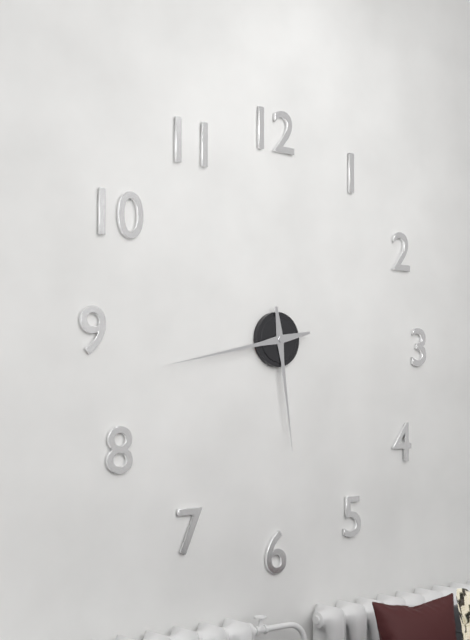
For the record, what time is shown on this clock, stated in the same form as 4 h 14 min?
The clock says 5 h 43 min
